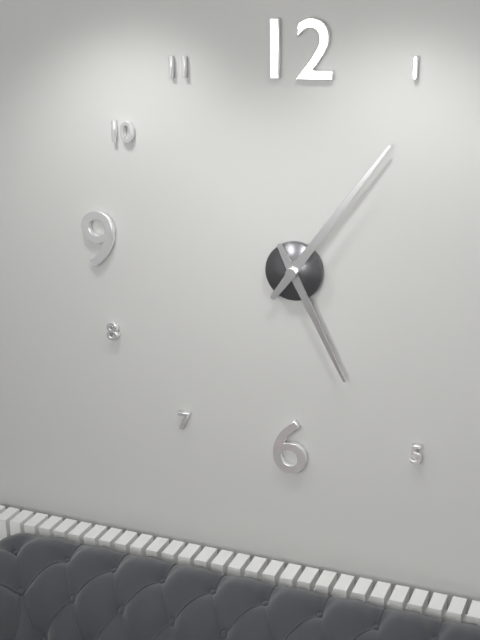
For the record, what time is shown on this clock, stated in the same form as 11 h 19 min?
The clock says 5 h 06 min
